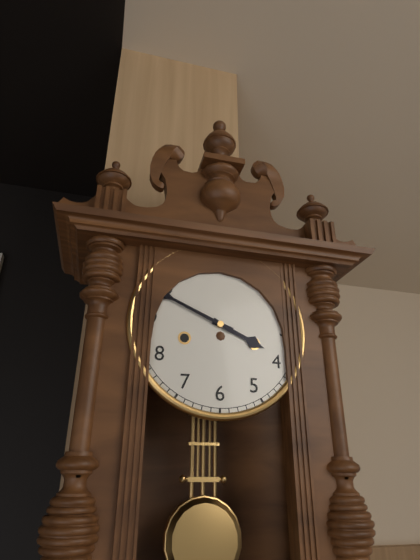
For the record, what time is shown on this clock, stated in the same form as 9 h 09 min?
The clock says 3 h 49 min
